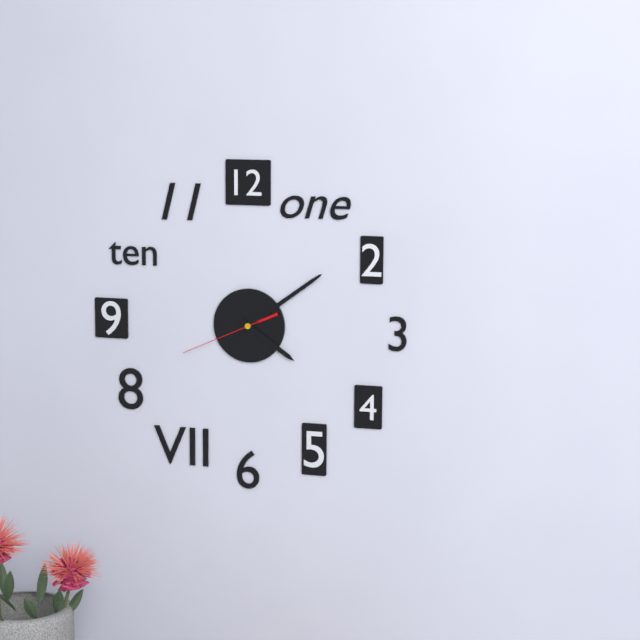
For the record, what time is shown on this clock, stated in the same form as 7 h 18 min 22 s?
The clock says 4 h 09 min 41 s
